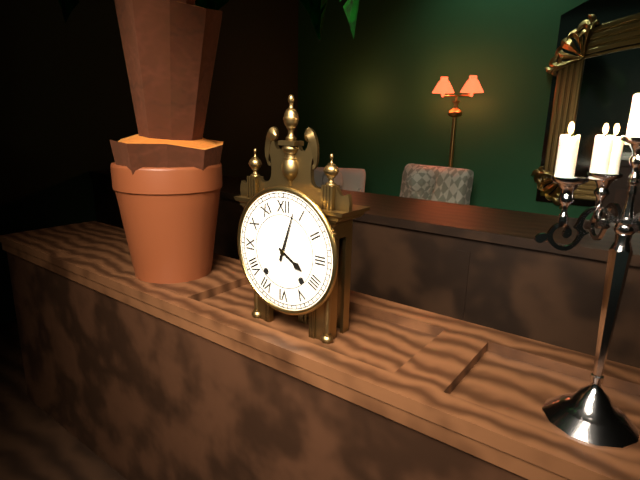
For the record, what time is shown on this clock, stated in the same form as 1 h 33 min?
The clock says 4 h 03 min
